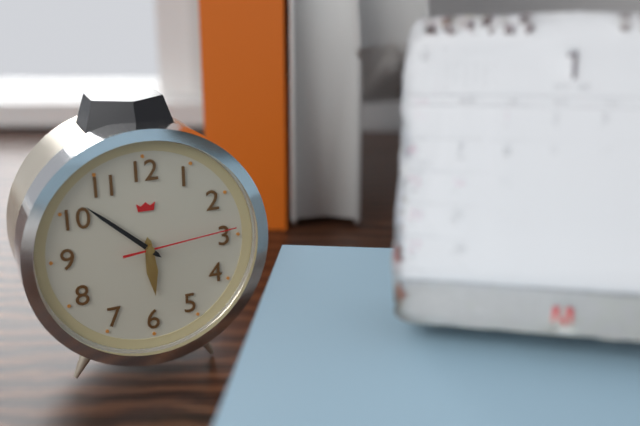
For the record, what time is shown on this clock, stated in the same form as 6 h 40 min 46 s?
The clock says 5 h 52 min 14 s
